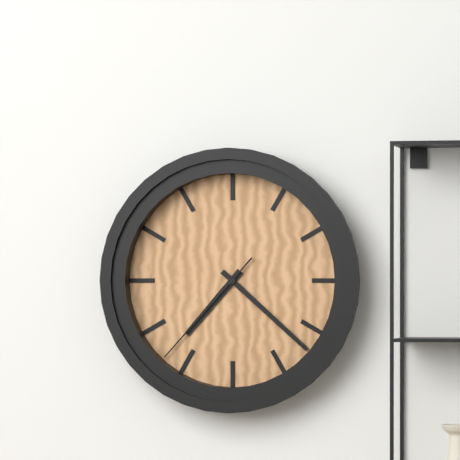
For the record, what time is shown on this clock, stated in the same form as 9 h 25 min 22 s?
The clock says 7 h 22 min 37 s
